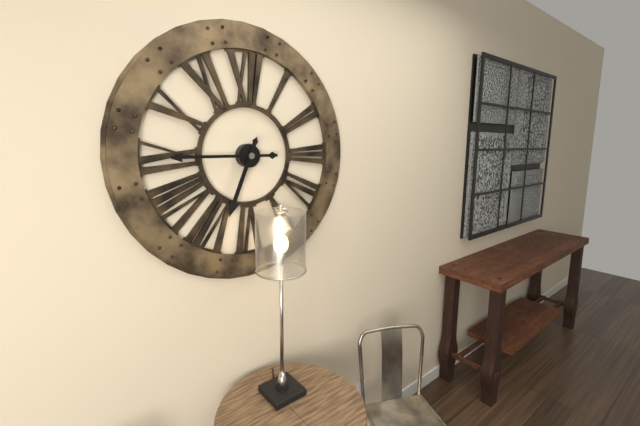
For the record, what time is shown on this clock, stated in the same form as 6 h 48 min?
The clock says 6 h 45 min
